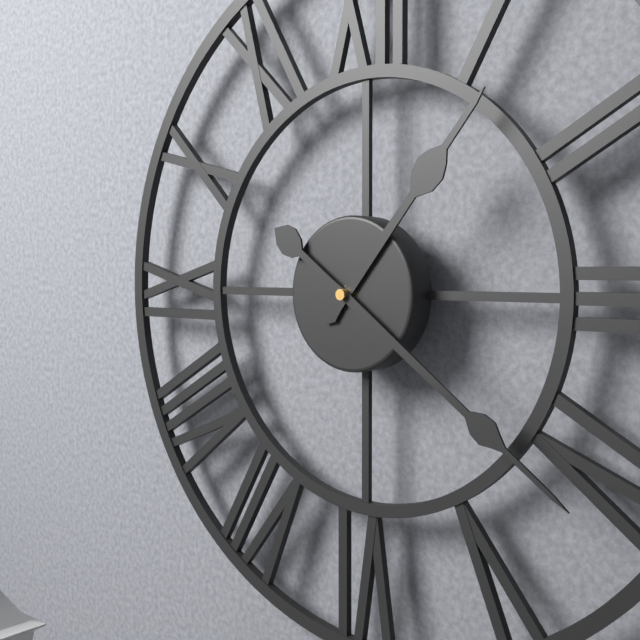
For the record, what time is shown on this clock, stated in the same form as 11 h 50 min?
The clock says 1 h 21 min
